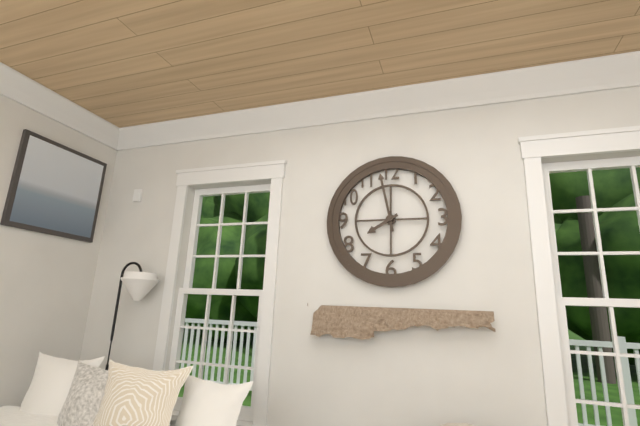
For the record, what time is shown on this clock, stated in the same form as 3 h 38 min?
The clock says 7 h 58 min
